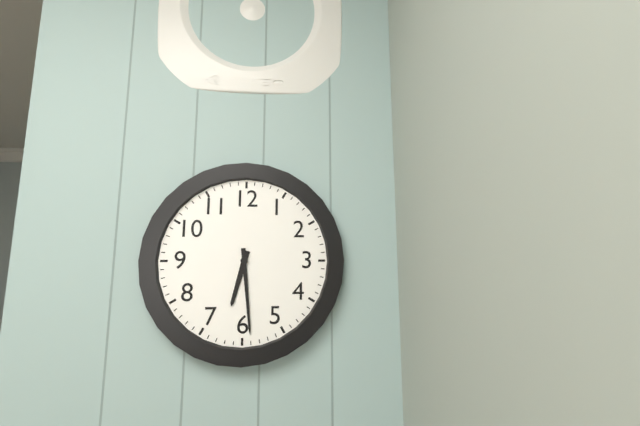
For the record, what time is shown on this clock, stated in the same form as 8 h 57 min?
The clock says 6 h 29 min
